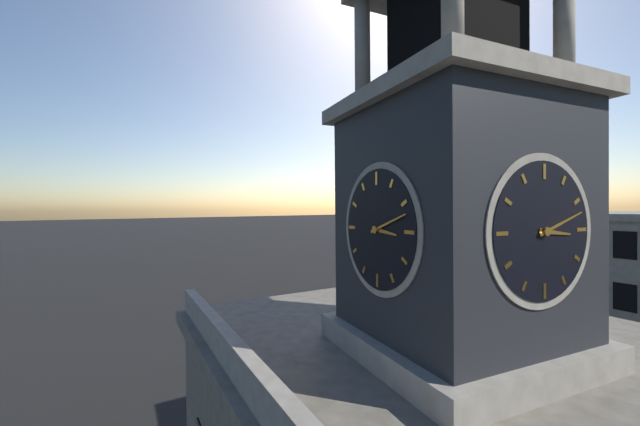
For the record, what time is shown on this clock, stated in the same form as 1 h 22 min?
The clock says 3 h 12 min
